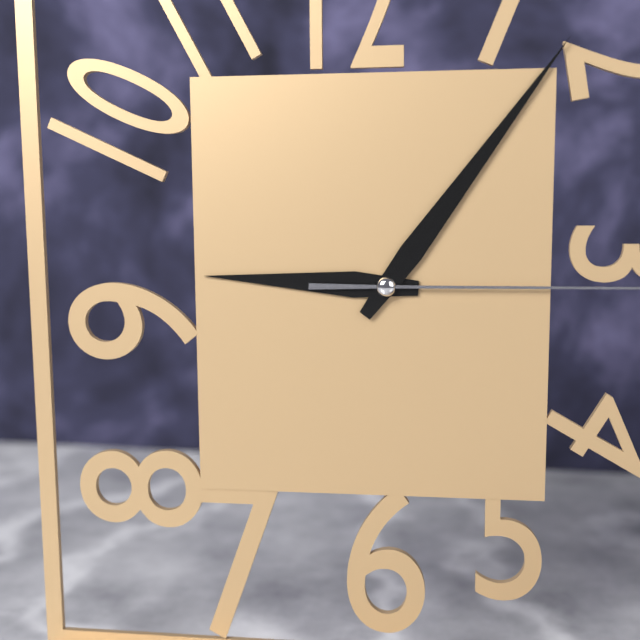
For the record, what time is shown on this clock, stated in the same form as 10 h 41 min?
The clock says 9 h 06 min
